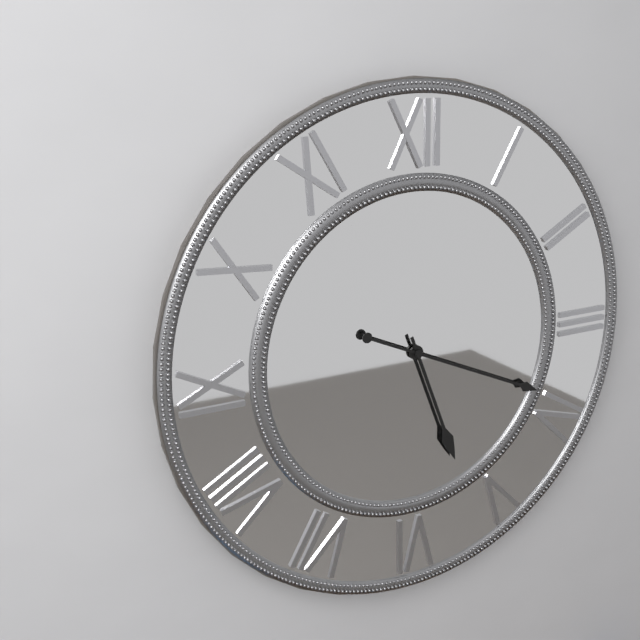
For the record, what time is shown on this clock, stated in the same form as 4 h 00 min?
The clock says 5 h 19 min
